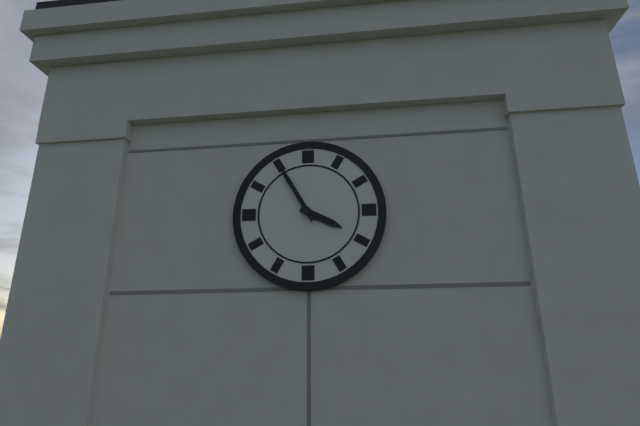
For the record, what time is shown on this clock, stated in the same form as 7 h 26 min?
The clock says 3 h 55 min
